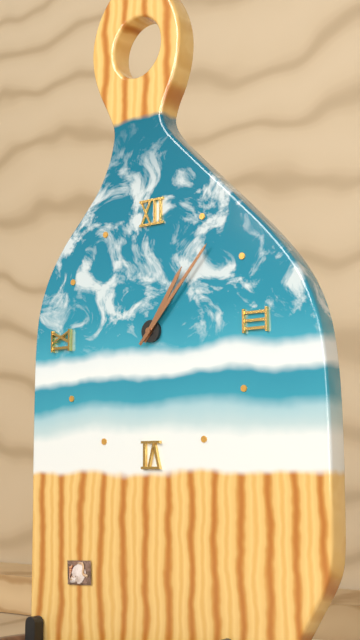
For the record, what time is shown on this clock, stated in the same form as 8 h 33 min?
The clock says 1 h 07 min
